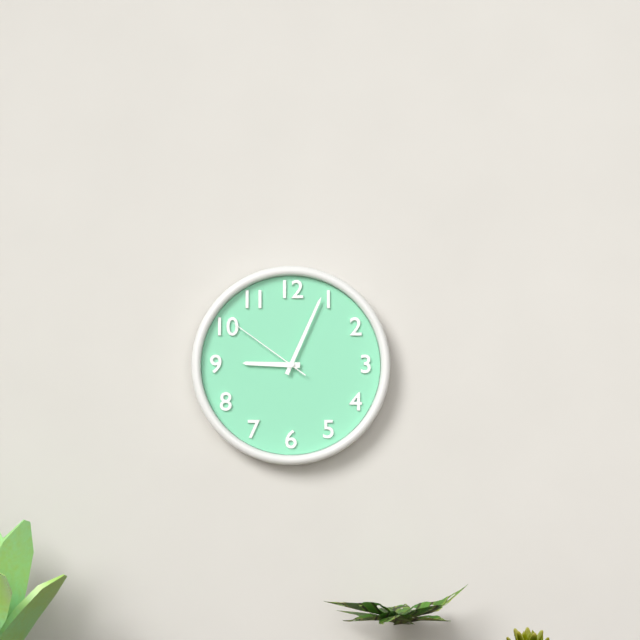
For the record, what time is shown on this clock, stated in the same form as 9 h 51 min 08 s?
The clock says 9 h 04 min 51 s
